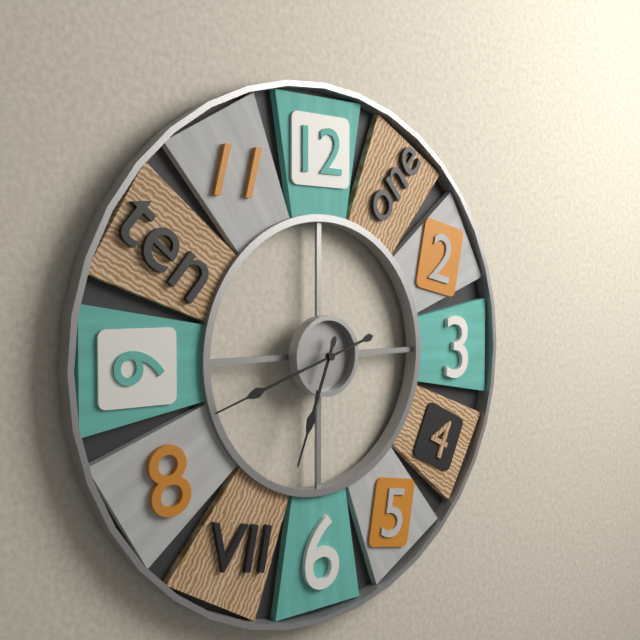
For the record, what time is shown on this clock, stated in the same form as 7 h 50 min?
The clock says 6 h 42 min
